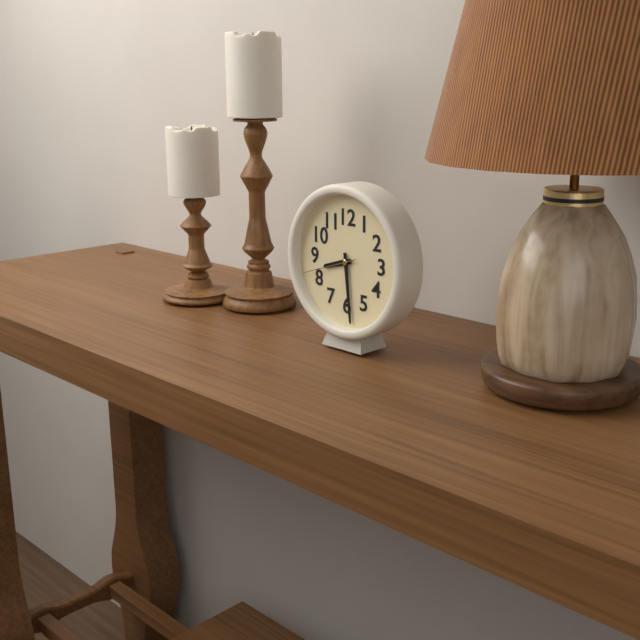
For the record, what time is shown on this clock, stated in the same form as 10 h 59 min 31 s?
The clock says 8 h 29 min 42 s
